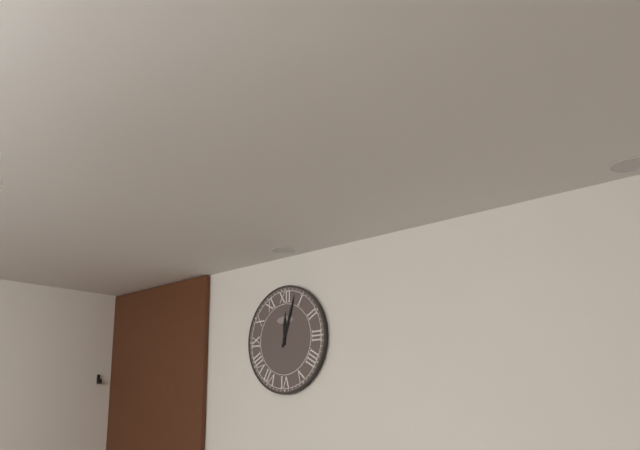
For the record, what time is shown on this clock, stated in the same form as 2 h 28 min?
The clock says 12 h 03 min
